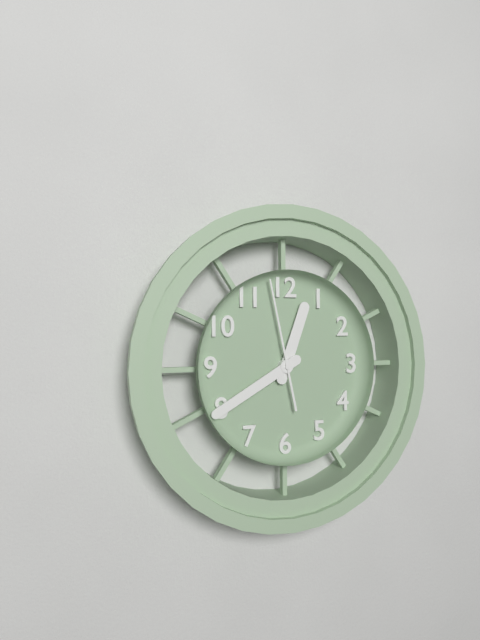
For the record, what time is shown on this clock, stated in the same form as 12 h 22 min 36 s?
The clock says 12 h 40 min 58 s
